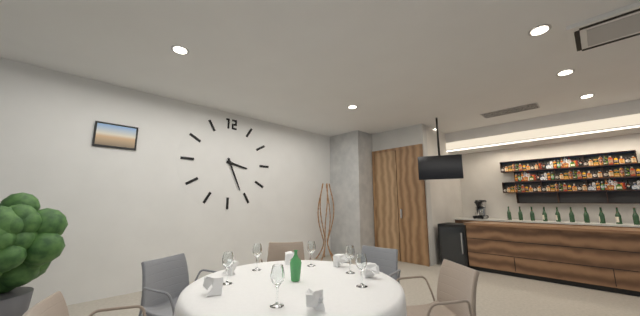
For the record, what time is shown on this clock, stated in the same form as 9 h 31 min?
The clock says 3 h 26 min
